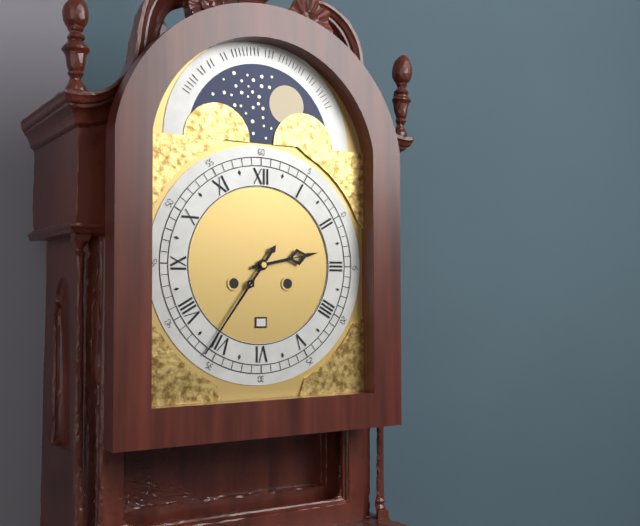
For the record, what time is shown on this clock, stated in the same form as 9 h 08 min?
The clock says 2 h 36 min
